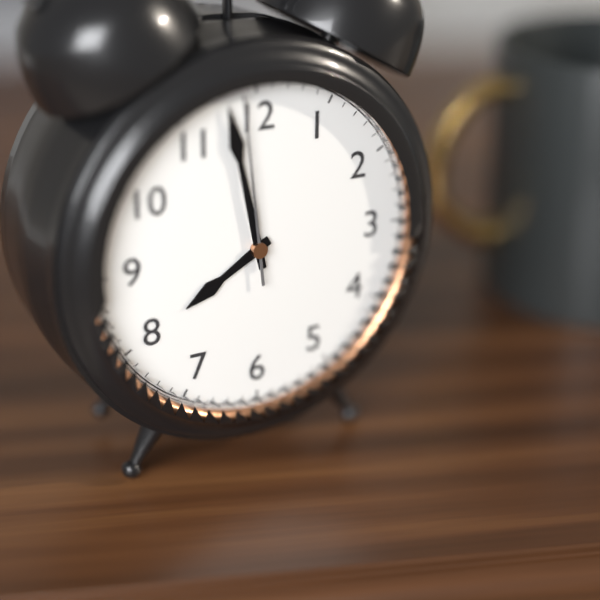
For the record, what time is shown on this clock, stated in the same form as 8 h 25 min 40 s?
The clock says 7 h 58 min 59 s
